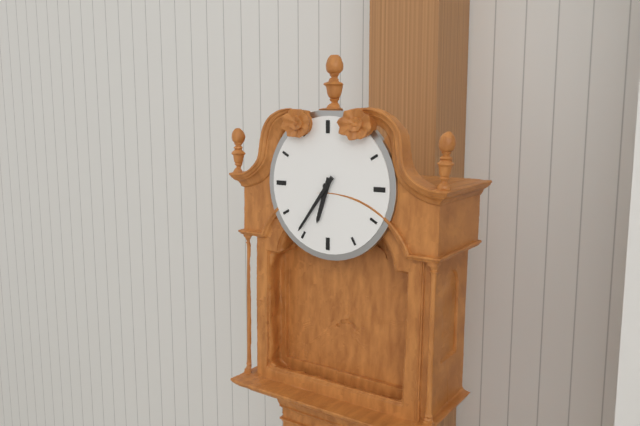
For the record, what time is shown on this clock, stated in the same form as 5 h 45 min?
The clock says 6 h 36 min
